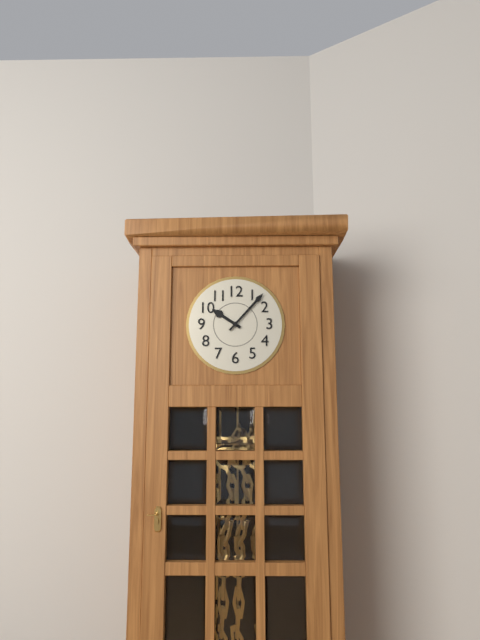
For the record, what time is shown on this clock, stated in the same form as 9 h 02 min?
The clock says 10 h 07 min
